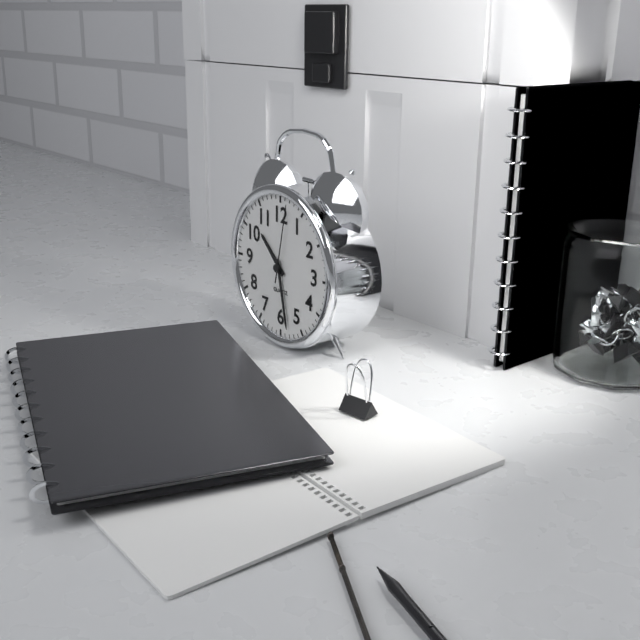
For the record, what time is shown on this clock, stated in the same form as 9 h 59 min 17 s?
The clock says 10 h 28 min 02 s
